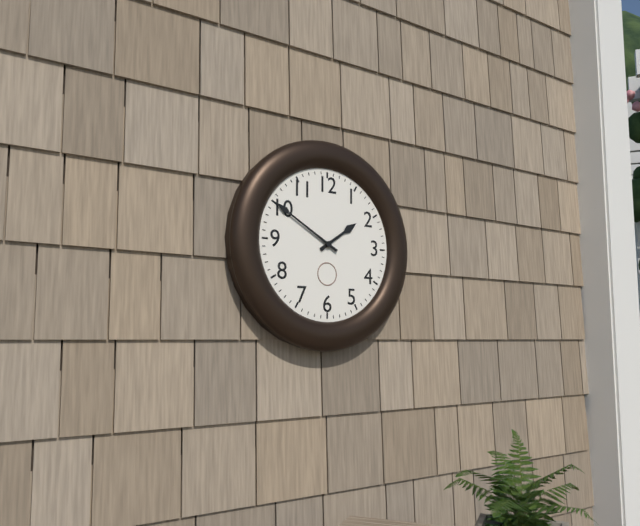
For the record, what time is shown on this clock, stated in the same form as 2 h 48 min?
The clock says 1 h 50 min
